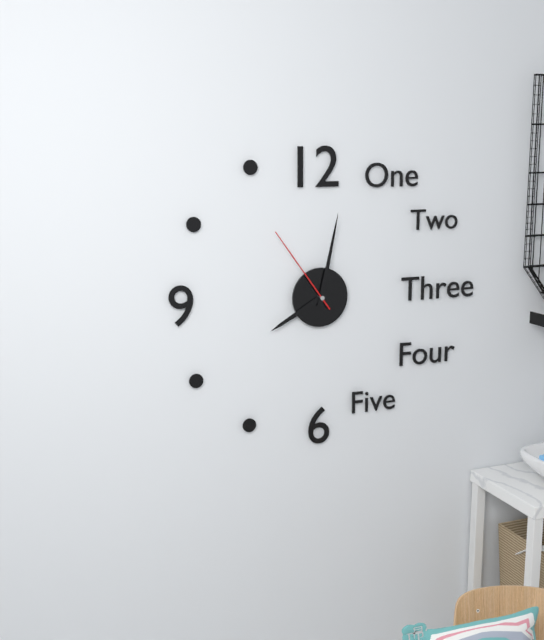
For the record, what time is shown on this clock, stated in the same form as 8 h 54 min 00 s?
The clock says 8 h 02 min 54 s
